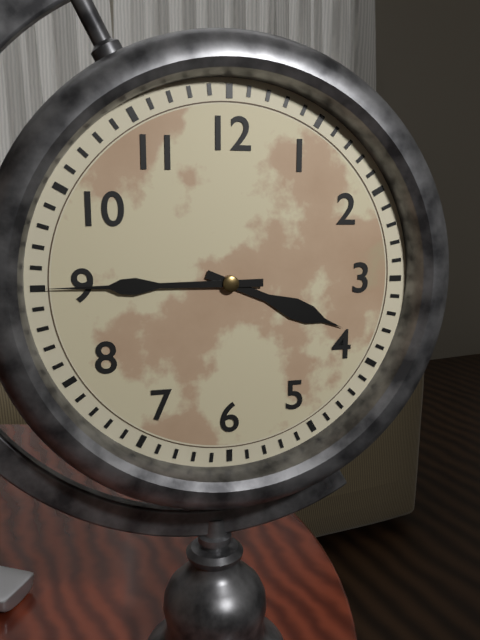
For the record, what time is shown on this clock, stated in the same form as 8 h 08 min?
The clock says 3 h 45 min
